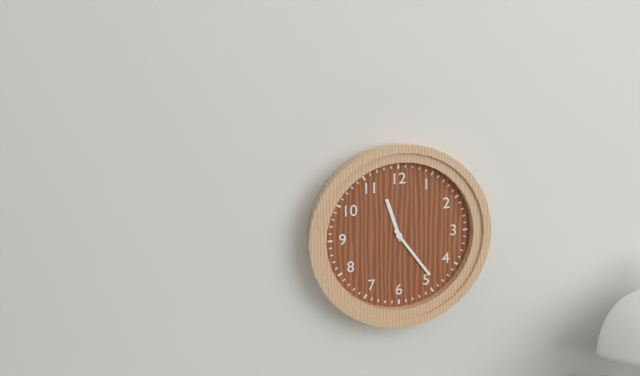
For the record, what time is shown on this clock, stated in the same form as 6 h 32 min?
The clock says 11 h 24 min
